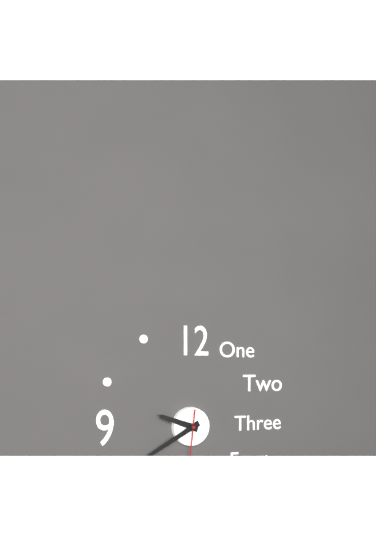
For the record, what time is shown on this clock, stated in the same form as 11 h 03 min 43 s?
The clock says 9 h 40 min 31 s
